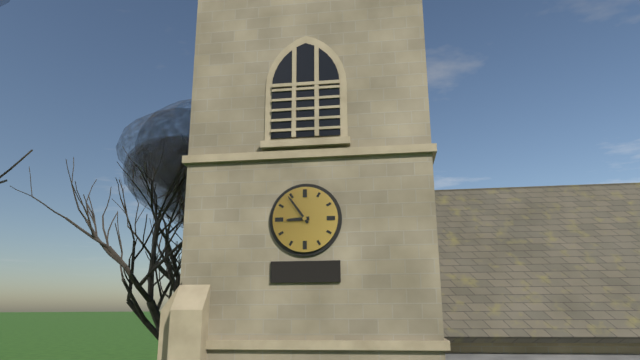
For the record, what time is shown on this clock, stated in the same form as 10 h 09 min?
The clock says 8 h 54 min
